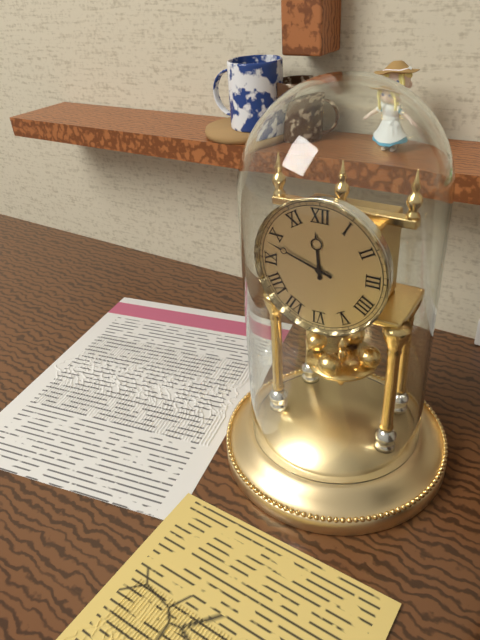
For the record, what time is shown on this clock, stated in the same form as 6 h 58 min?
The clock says 11 h 48 min
